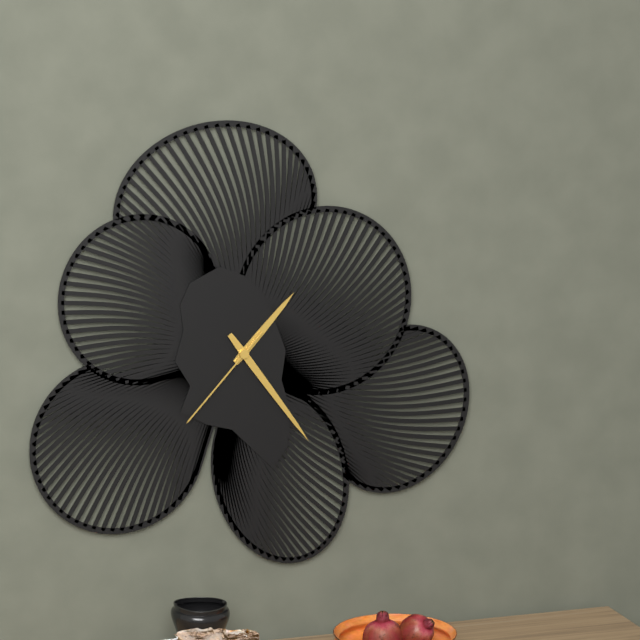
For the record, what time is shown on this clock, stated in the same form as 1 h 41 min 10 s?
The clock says 1 h 24 min 37 s
